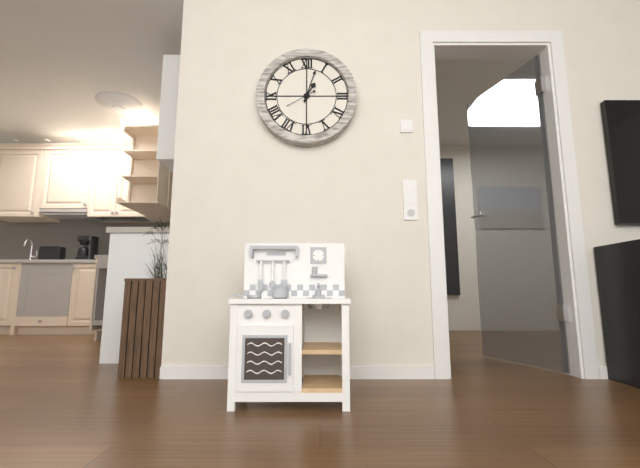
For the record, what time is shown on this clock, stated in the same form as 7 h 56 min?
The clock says 1 h 03 min
